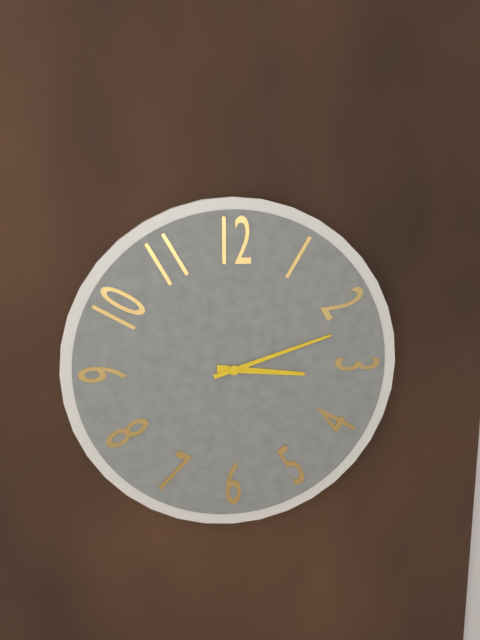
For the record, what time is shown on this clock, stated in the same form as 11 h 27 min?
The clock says 3 h 12 min
